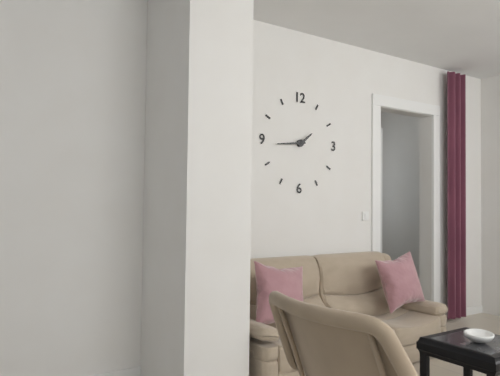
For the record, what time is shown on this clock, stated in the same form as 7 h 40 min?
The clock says 1 h 44 min
